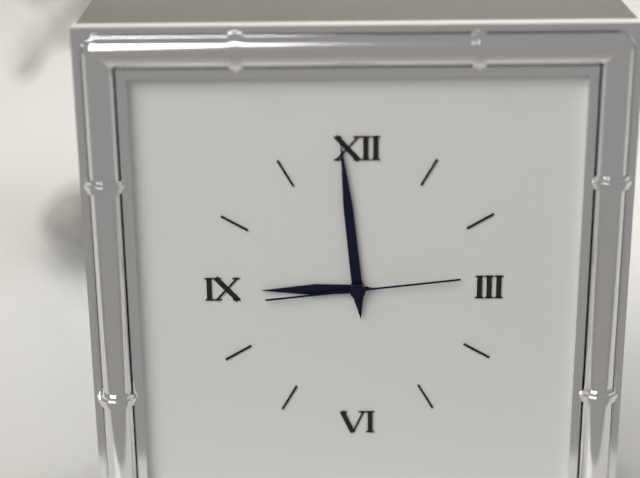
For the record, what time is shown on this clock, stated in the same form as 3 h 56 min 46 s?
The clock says 8 h 59 min 14 s
